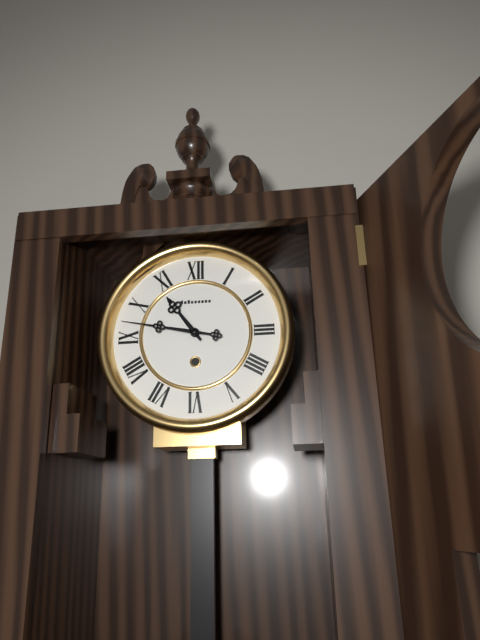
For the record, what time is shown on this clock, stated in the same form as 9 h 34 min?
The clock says 10 h 47 min
